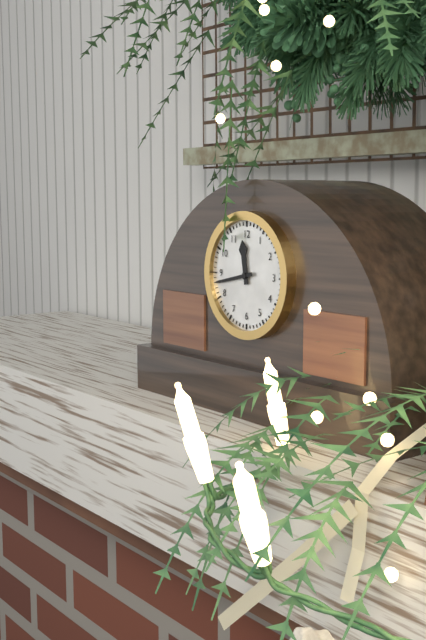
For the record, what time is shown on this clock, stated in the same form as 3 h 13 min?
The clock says 11 h 43 min
